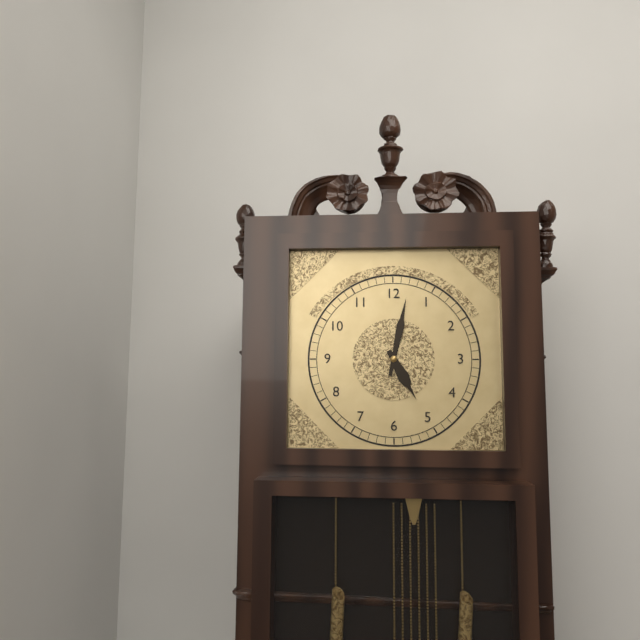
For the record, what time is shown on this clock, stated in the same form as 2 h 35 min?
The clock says 5 h 02 min
